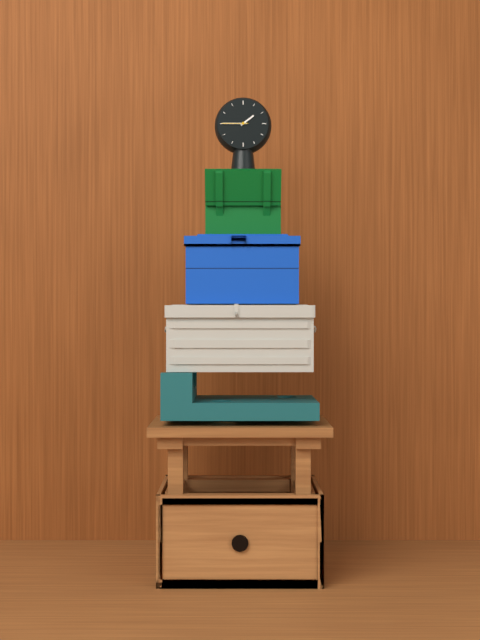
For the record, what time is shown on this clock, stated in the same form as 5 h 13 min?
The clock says 1 h 45 min
